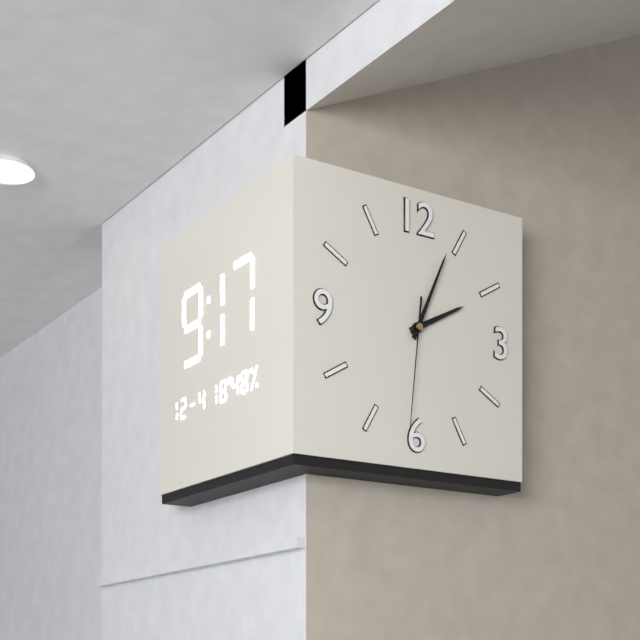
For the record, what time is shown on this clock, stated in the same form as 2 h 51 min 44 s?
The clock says 2 h 04 min 31 s
